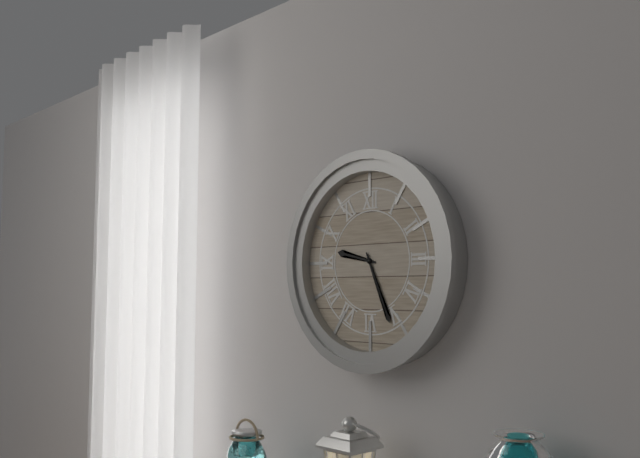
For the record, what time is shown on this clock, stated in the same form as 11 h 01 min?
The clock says 9 h 26 min
